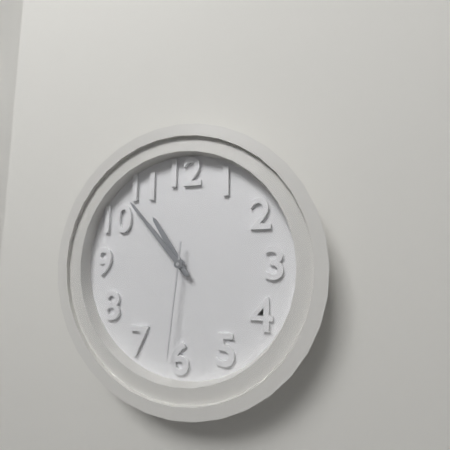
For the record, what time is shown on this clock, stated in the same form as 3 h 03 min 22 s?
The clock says 10 h 53 min 31 s
